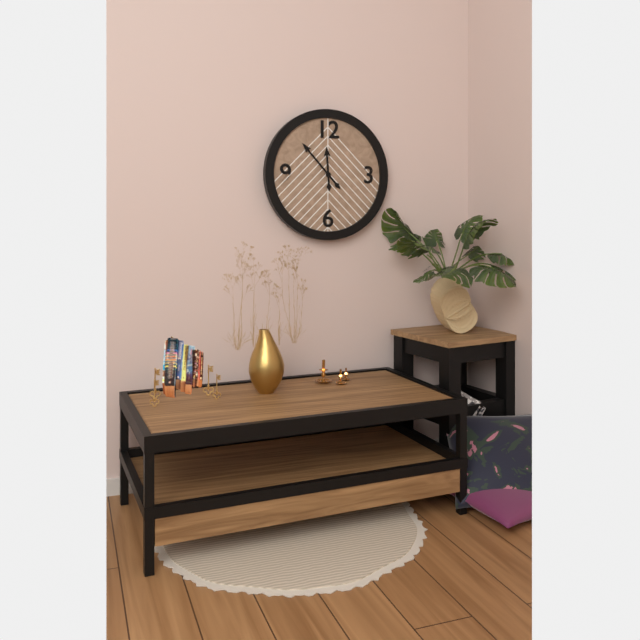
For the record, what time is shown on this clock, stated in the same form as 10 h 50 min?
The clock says 11 h 53 min
